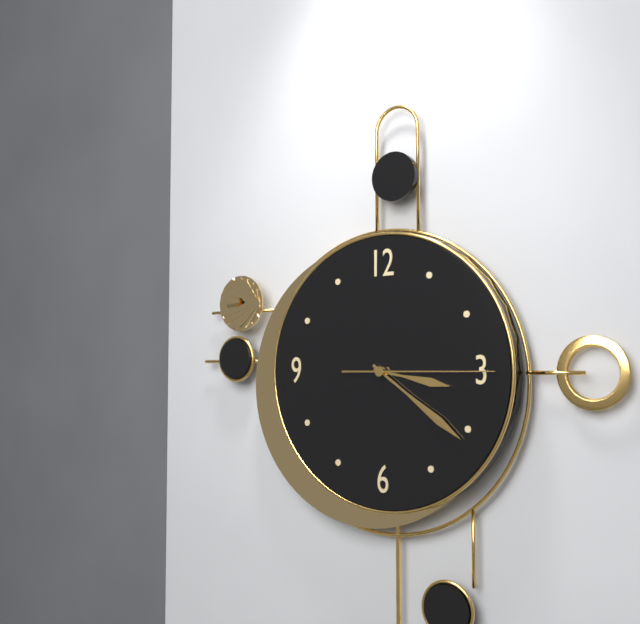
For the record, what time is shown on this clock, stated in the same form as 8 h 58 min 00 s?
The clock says 3 h 21 min 15 s
